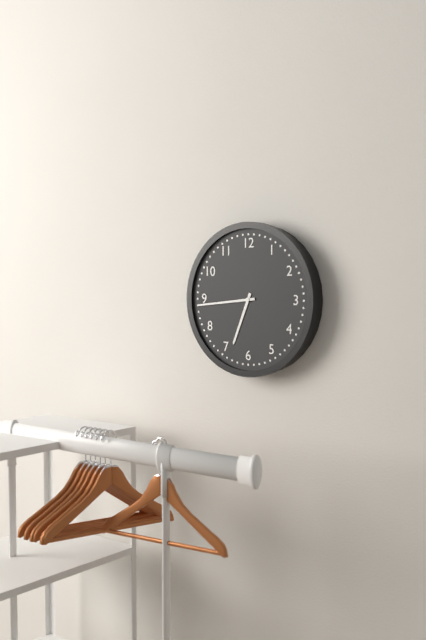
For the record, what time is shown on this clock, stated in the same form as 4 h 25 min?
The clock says 6 h 44 min
